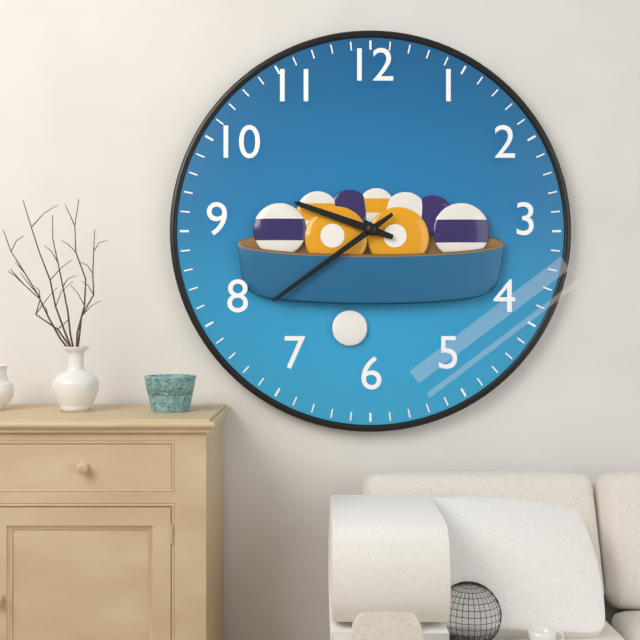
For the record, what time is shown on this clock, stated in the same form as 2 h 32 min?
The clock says 9 h 39 min
